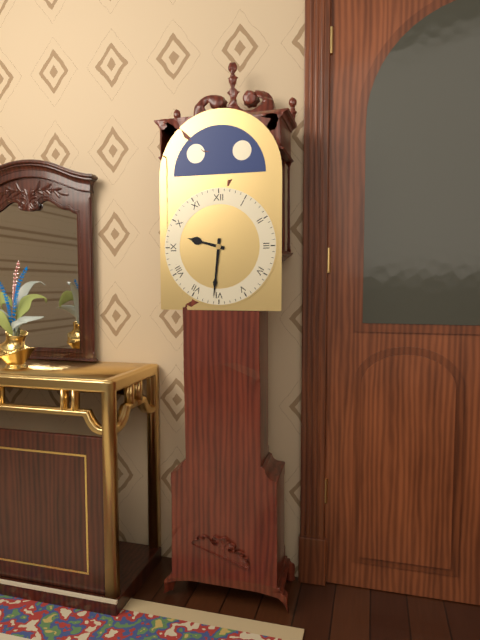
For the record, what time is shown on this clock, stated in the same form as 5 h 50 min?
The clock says 9 h 31 min
